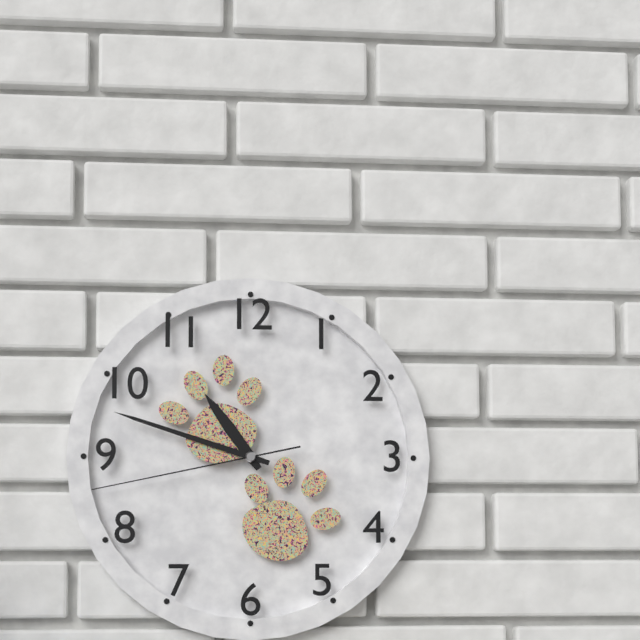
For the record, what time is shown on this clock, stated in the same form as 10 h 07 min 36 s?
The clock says 10 h 48 min 43 s
